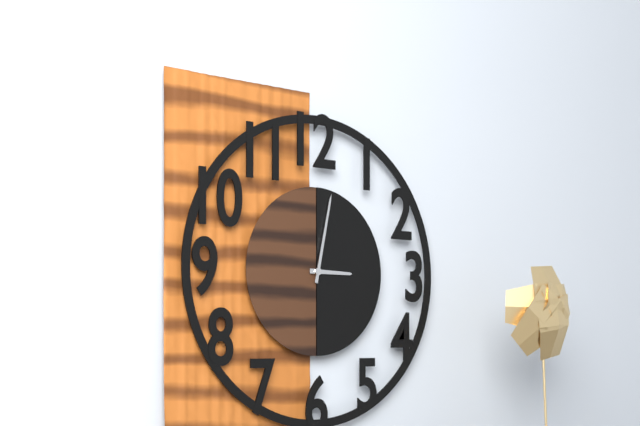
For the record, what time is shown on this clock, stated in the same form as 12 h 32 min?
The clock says 3 h 02 min
